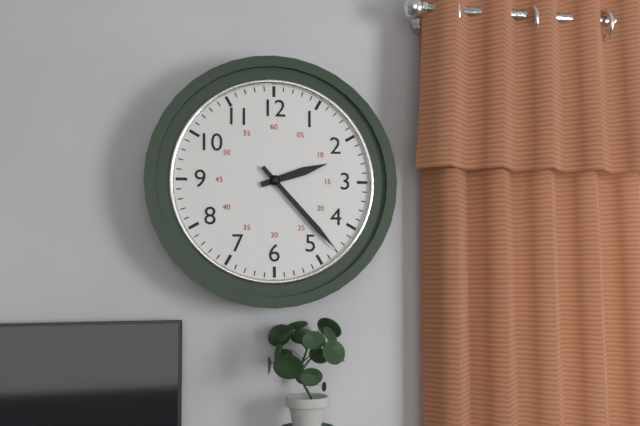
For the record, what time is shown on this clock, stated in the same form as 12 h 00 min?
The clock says 2 h 23 min
